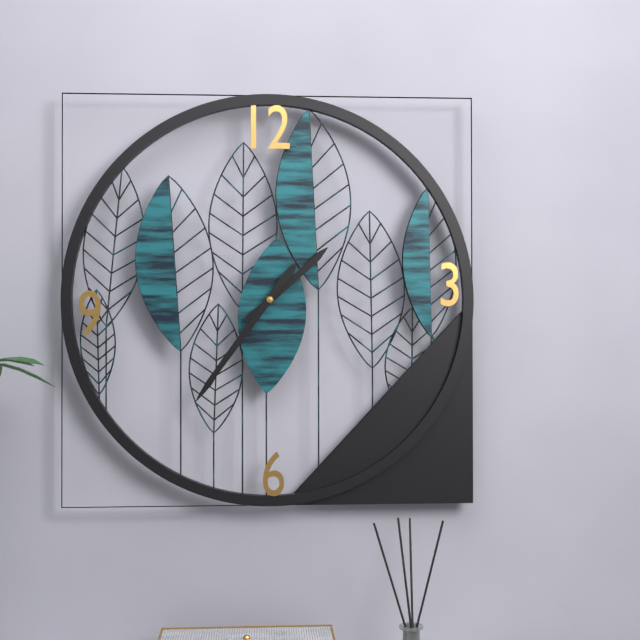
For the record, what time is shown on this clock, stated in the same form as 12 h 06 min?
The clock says 1 h 36 min
